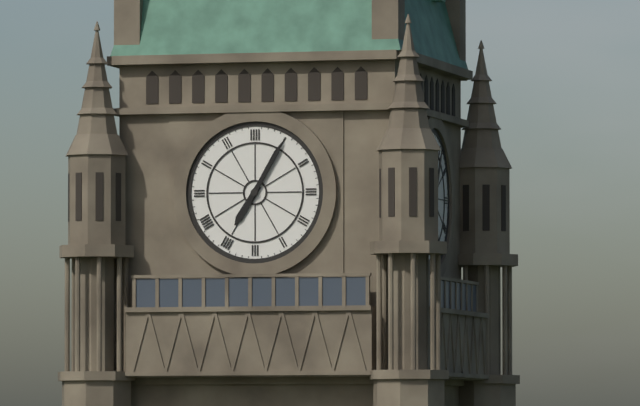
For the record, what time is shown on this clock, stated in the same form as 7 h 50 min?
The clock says 7 h 05 min
